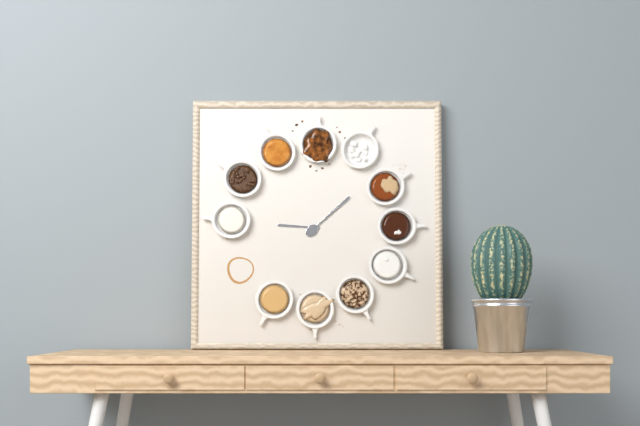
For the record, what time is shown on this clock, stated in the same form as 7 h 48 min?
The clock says 9 h 08 min
